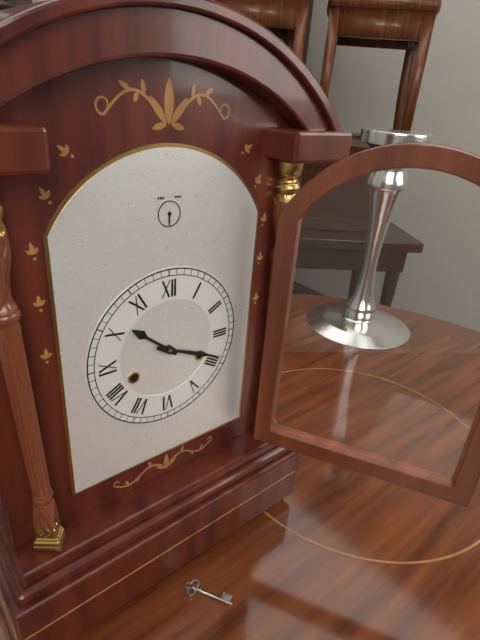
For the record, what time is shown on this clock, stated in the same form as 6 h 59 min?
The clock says 10 h 19 min
